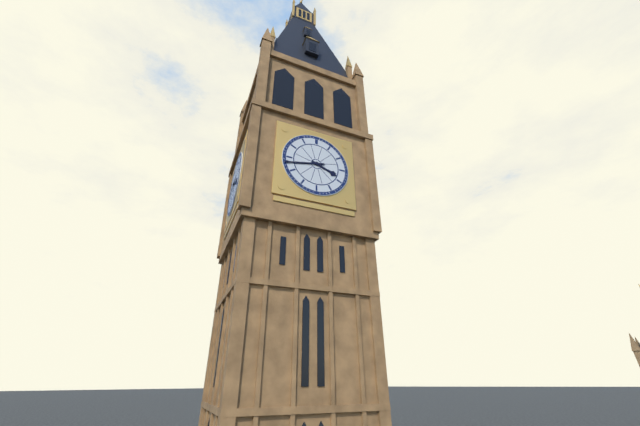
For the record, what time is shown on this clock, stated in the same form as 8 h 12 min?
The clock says 3 h 43 min
